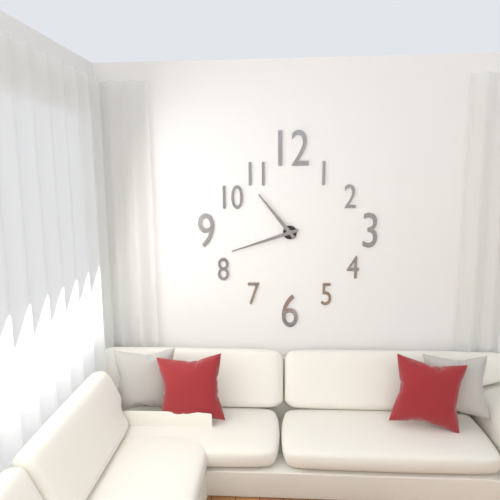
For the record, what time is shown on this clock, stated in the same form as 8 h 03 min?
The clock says 10 h 42 min
